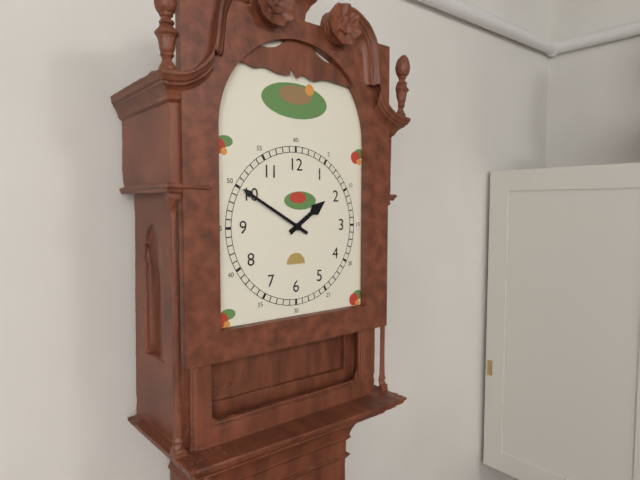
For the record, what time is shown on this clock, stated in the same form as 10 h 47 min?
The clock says 1 h 50 min
